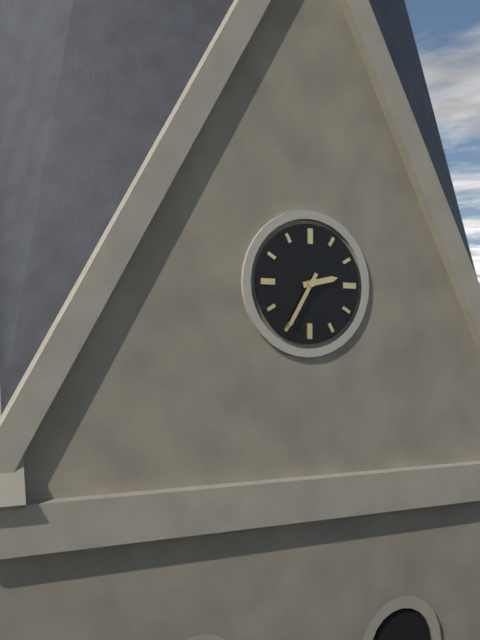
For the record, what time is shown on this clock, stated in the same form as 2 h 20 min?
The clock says 2 h 35 min
